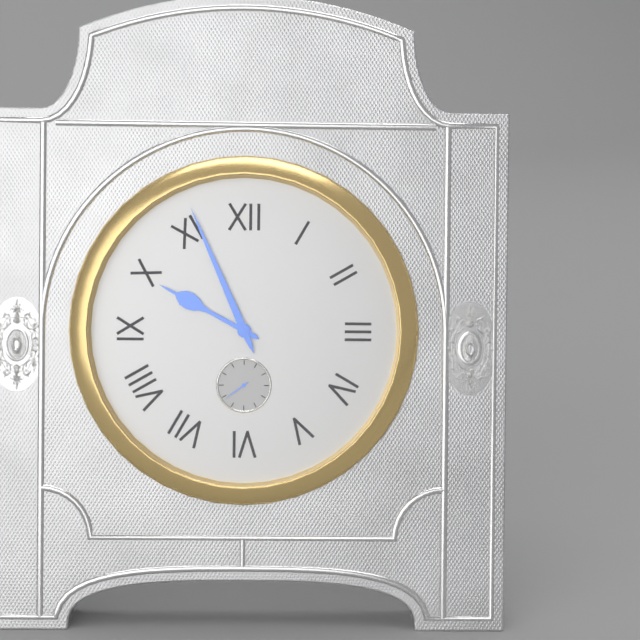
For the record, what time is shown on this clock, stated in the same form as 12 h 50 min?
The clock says 9 h 56 min
